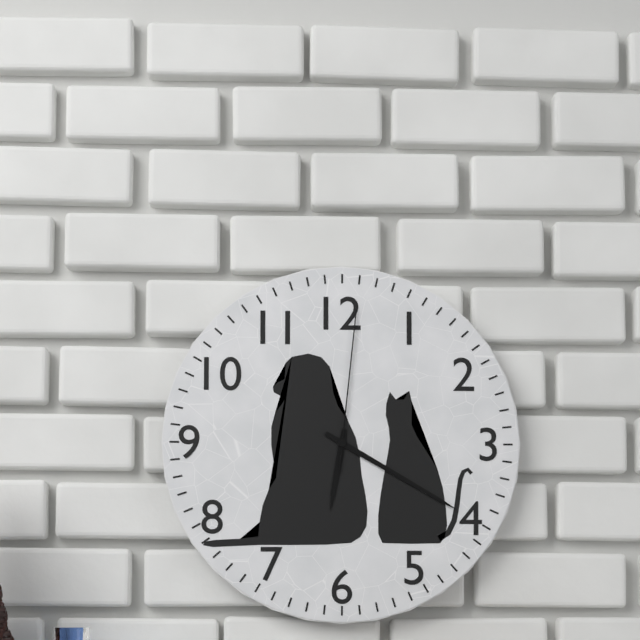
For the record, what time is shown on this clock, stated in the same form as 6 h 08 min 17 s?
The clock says 6 h 20 min 01 s
